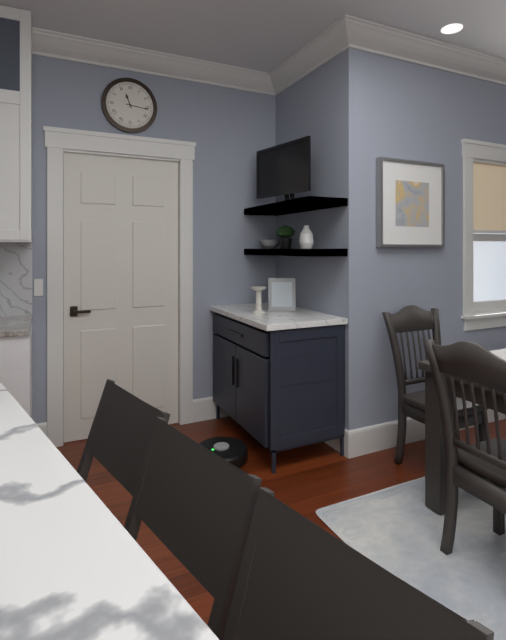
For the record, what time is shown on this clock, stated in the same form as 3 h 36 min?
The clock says 11 h 16 min
